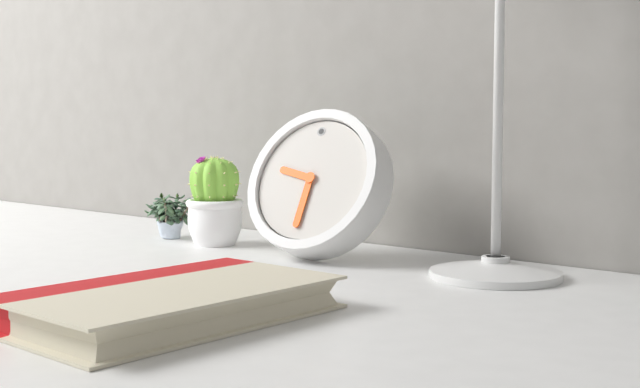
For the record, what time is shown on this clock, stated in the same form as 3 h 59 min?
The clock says 9 h 31 min
